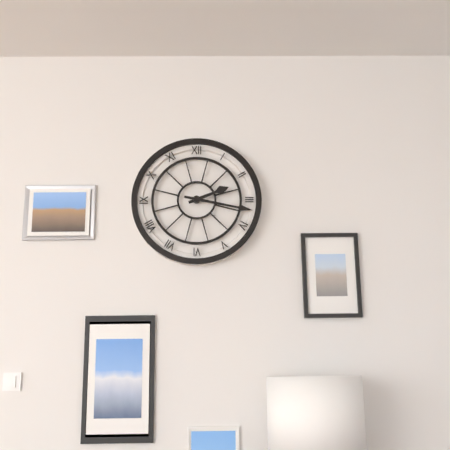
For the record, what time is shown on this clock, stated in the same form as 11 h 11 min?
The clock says 2 h 17 min
